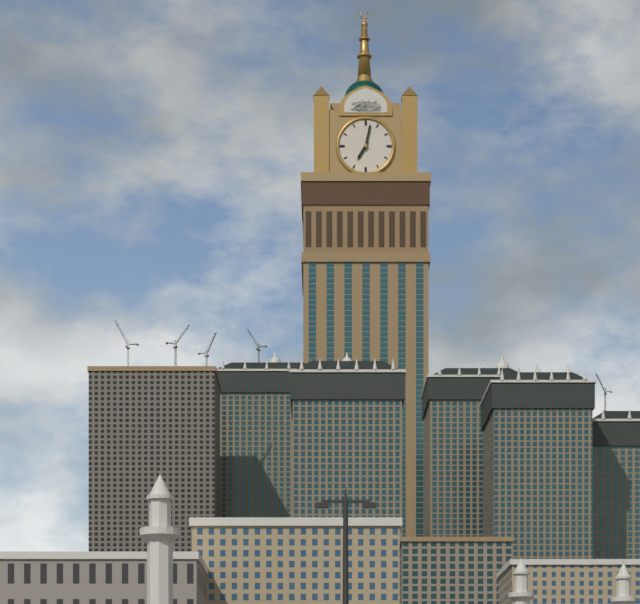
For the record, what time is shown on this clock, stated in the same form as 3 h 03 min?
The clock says 7 h 02 min
